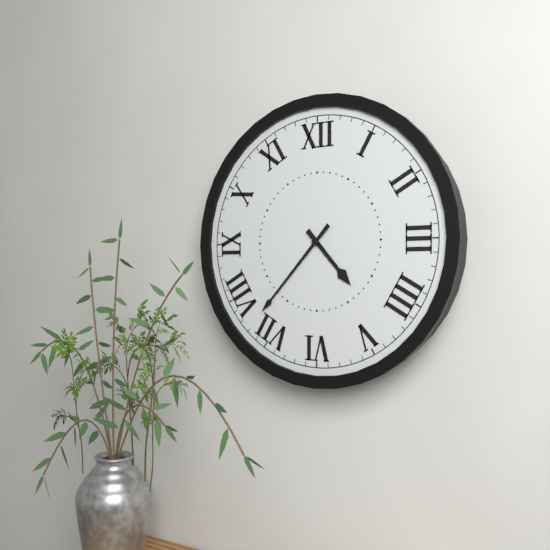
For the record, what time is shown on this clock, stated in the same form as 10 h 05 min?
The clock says 4 h 37 min
